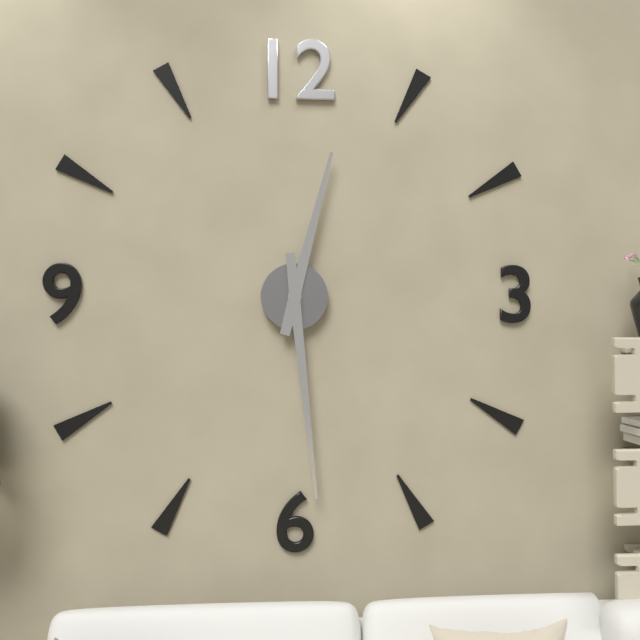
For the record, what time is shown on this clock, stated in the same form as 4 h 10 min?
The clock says 12 h 29 min
